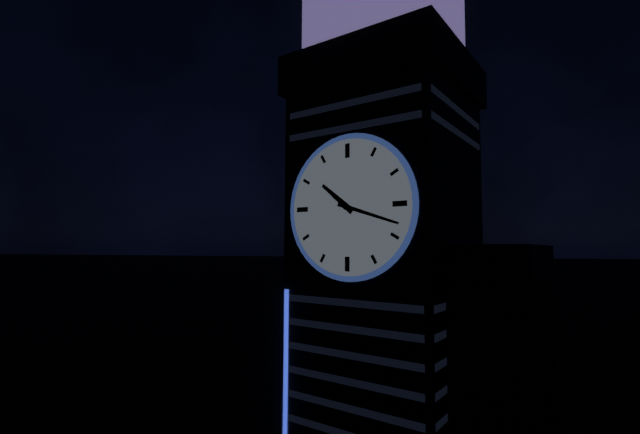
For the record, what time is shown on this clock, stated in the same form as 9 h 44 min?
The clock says 10 h 18 min
